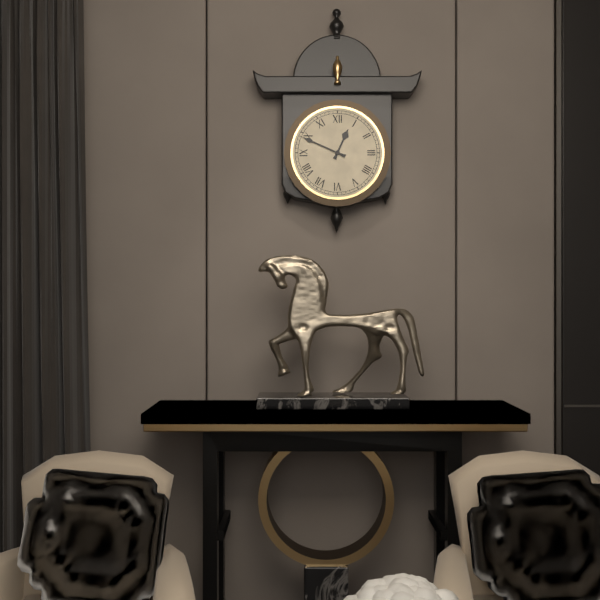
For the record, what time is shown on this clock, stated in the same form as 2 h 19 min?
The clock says 12 h 49 min
